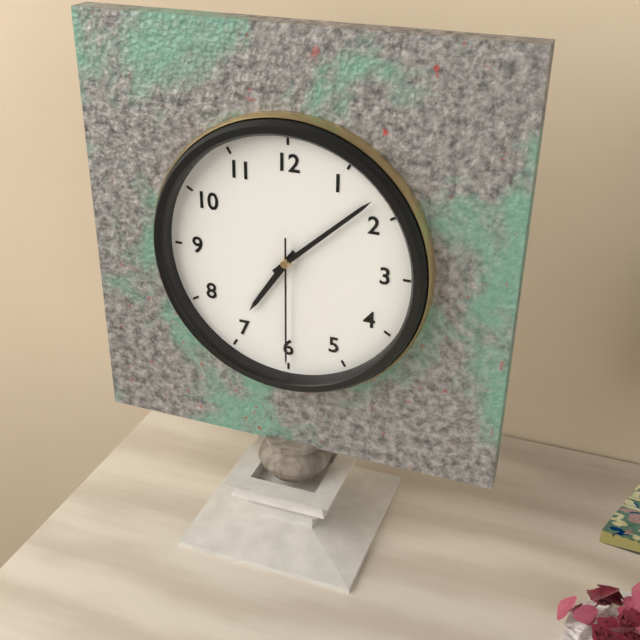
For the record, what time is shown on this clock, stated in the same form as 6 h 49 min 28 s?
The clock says 7 h 08 min 30 s
